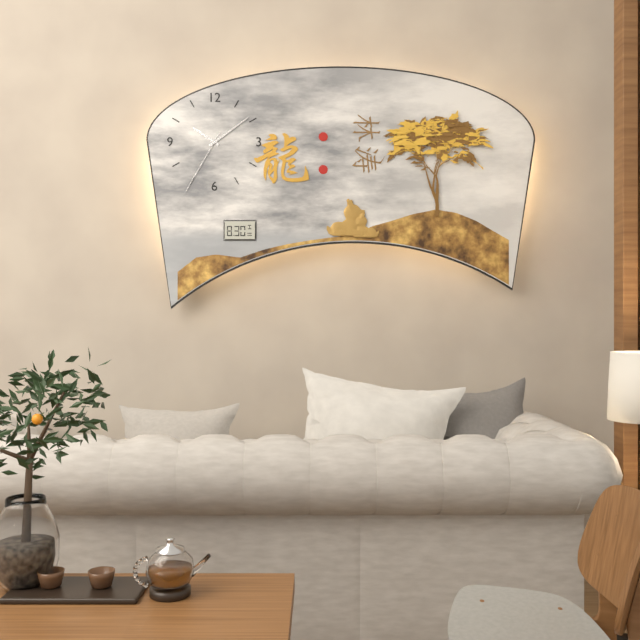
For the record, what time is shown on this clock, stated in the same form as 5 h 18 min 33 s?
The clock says 10 h 09 min 35 s
